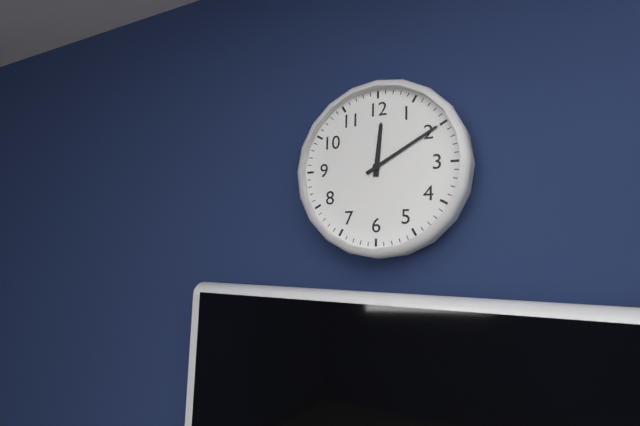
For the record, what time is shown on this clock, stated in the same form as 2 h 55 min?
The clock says 12 h 10 min
